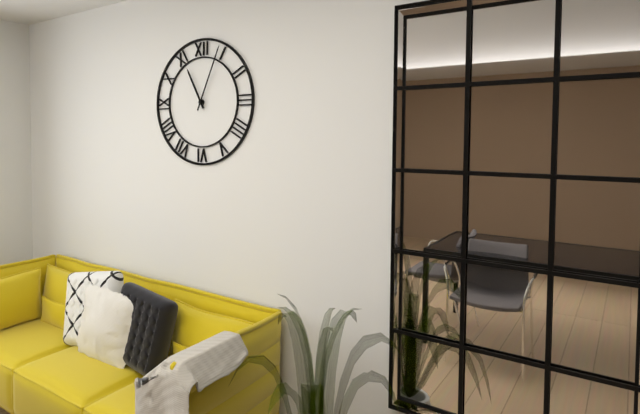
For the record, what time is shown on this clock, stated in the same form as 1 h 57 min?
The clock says 11 h 04 min
